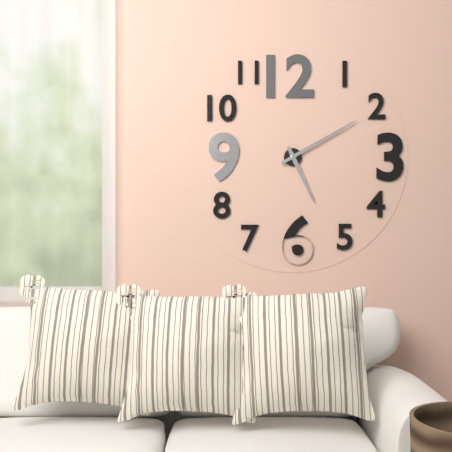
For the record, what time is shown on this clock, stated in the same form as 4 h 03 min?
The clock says 5 h 10 min
